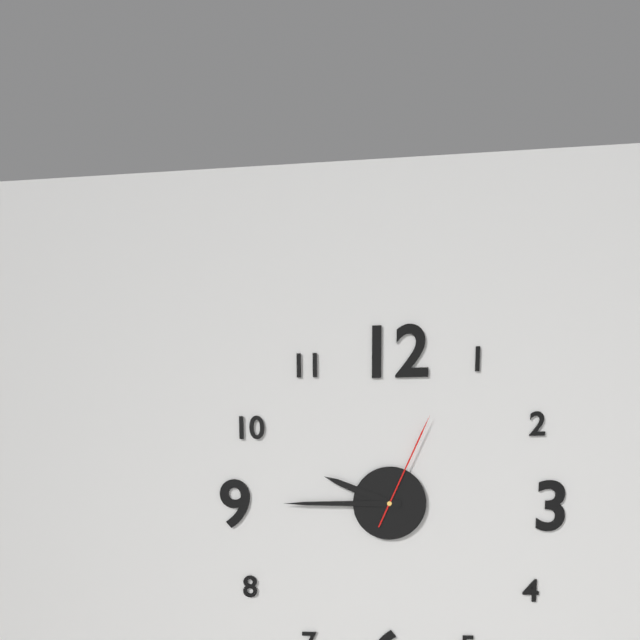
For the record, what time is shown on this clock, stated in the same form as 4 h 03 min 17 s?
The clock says 9 h 45 min 04 s
